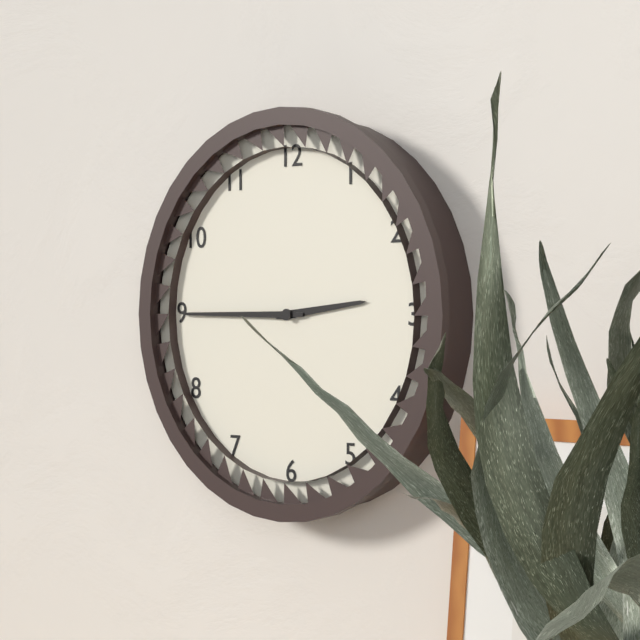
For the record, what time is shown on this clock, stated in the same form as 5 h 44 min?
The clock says 2 h 45 min
